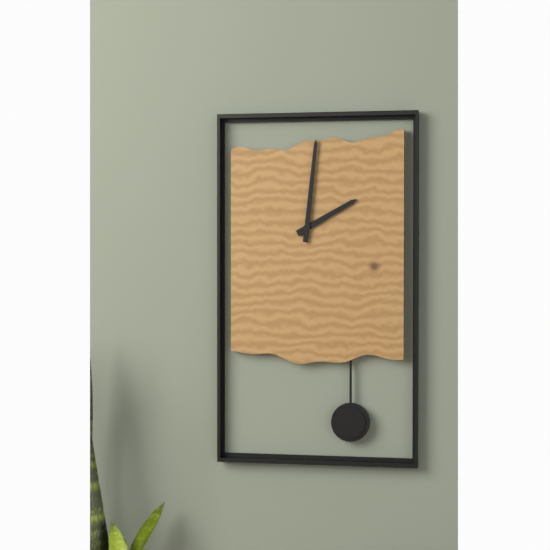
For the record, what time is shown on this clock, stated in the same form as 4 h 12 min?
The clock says 2 h 01 min
